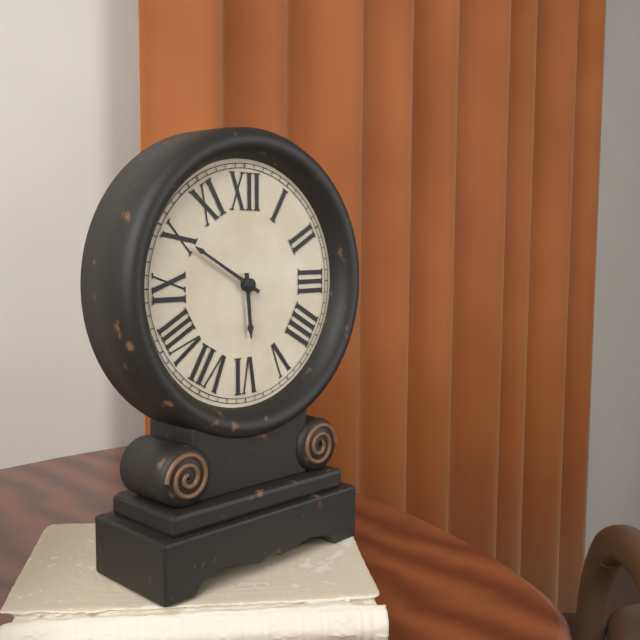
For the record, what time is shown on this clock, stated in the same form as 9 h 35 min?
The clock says 5 h 50 min
